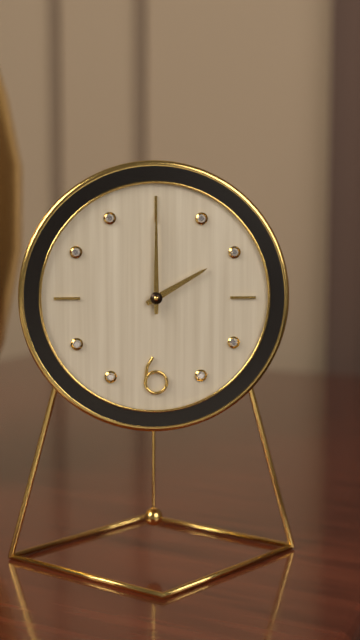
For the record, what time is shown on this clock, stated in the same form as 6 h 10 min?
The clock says 2 h 00 min
